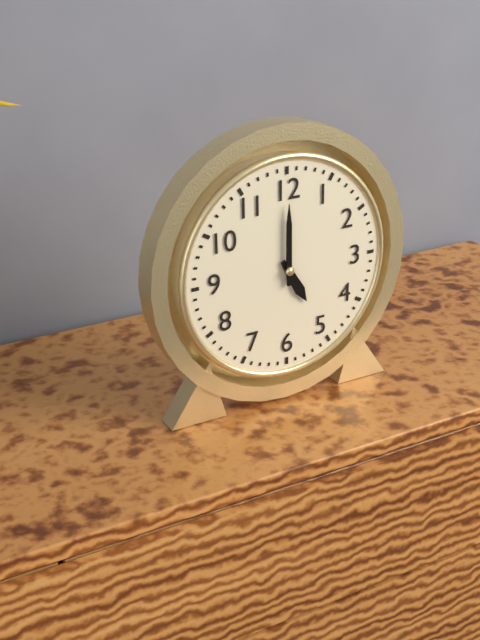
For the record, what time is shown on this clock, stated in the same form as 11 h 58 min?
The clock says 5 h 00 min
